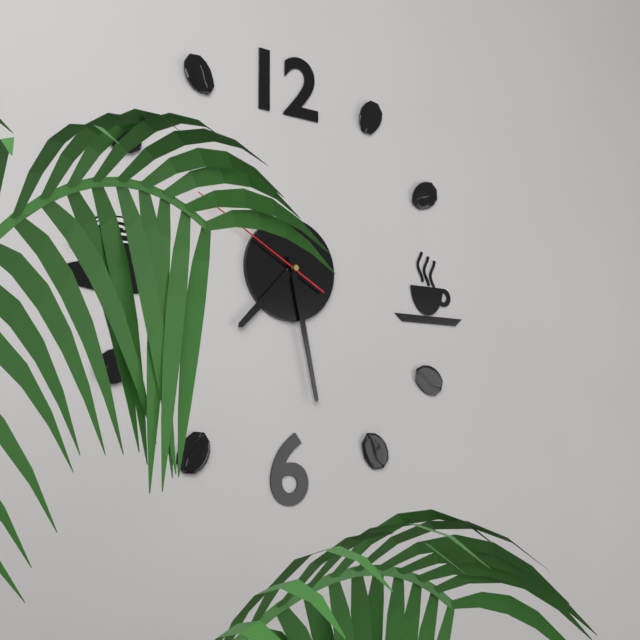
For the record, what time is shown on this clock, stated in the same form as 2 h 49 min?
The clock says 7 h 28 min
